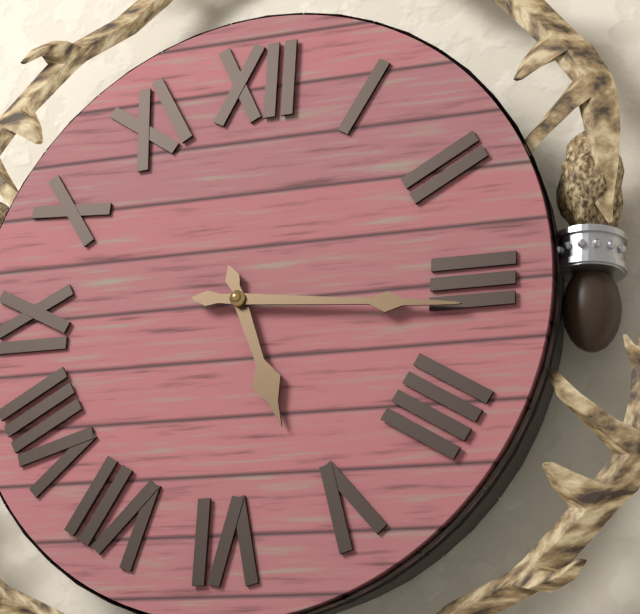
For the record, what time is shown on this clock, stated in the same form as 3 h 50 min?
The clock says 5 h 16 min
